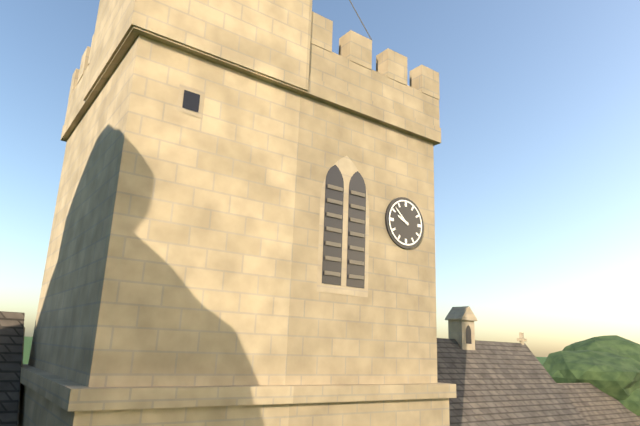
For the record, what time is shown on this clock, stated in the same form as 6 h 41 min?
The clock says 9 h 52 min
